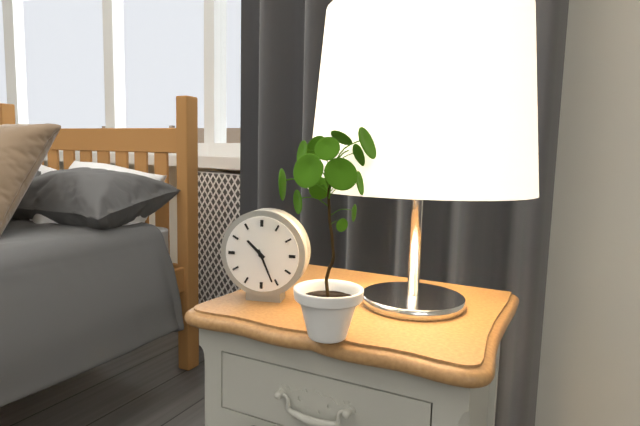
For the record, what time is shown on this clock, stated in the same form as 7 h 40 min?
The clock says 10 h 26 min
